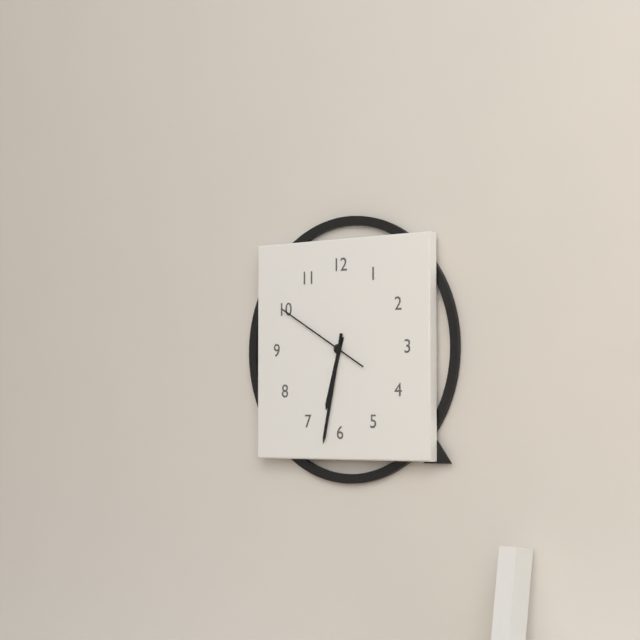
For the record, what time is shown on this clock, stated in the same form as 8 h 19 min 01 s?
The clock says 6 h 32 min 50 s
